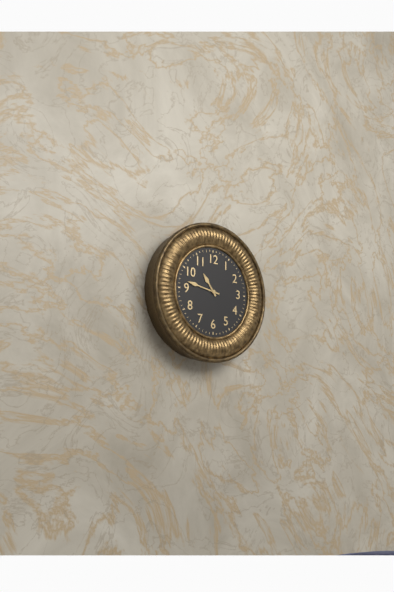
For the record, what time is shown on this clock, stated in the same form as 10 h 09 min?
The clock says 10 h 47 min
